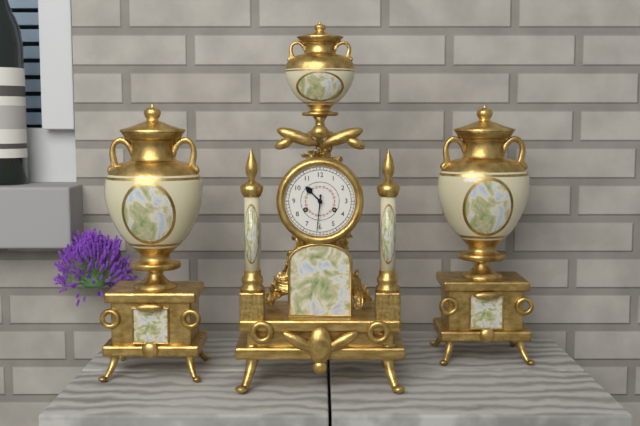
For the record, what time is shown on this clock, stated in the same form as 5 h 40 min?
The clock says 10 h 31 min
